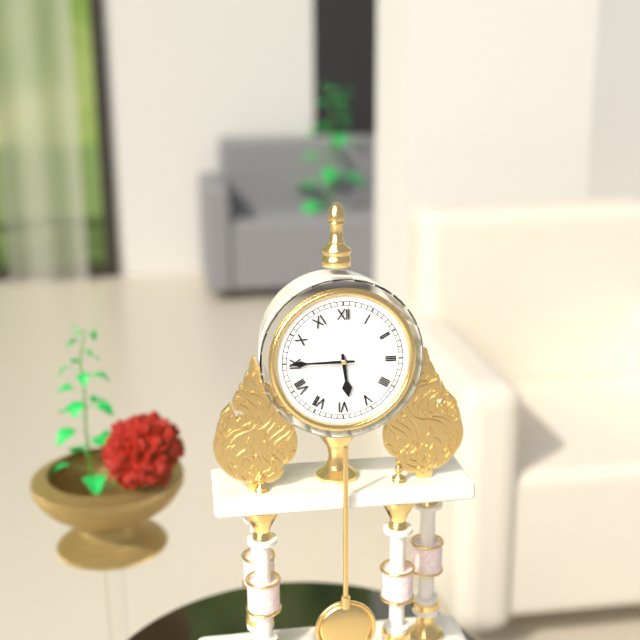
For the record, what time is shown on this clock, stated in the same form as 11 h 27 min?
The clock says 5 h 45 min
